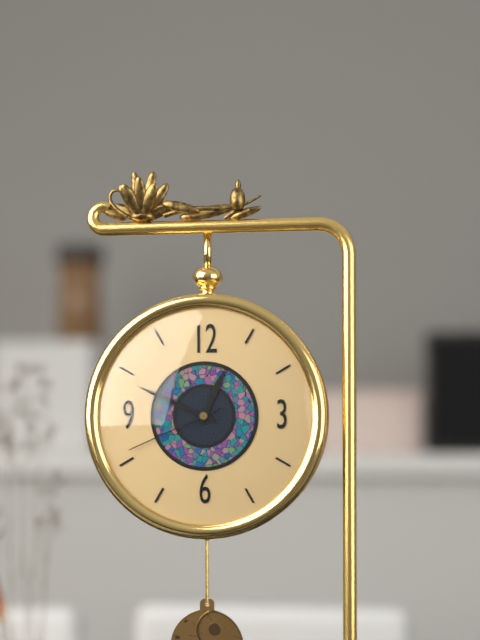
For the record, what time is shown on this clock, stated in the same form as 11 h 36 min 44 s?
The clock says 12 h 49 min 41 s
